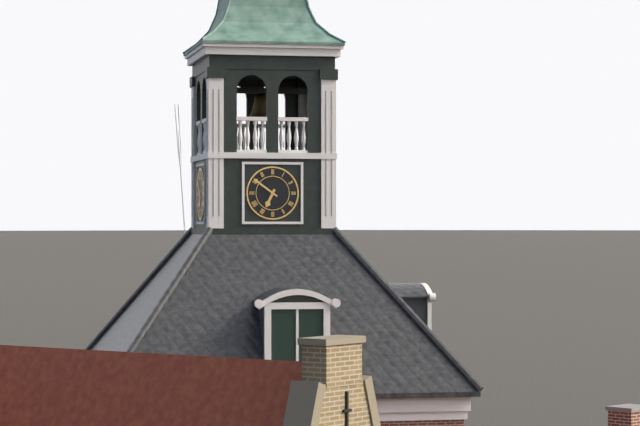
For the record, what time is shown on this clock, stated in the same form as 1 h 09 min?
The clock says 6 h 51 min
